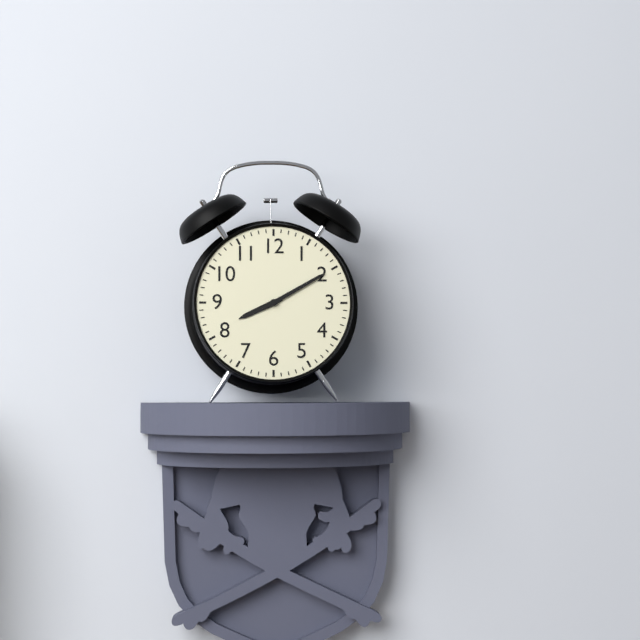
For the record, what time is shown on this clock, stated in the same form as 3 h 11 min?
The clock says 8 h 10 min
